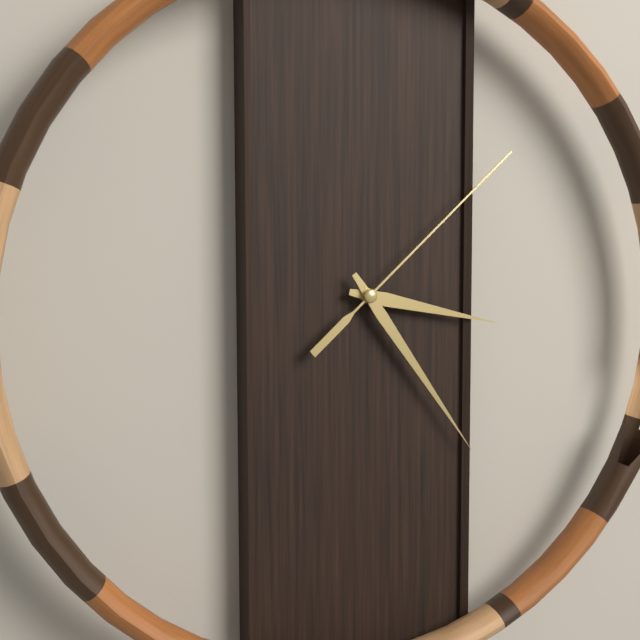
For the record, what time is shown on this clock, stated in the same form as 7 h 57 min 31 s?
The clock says 3 h 24 min 08 s
